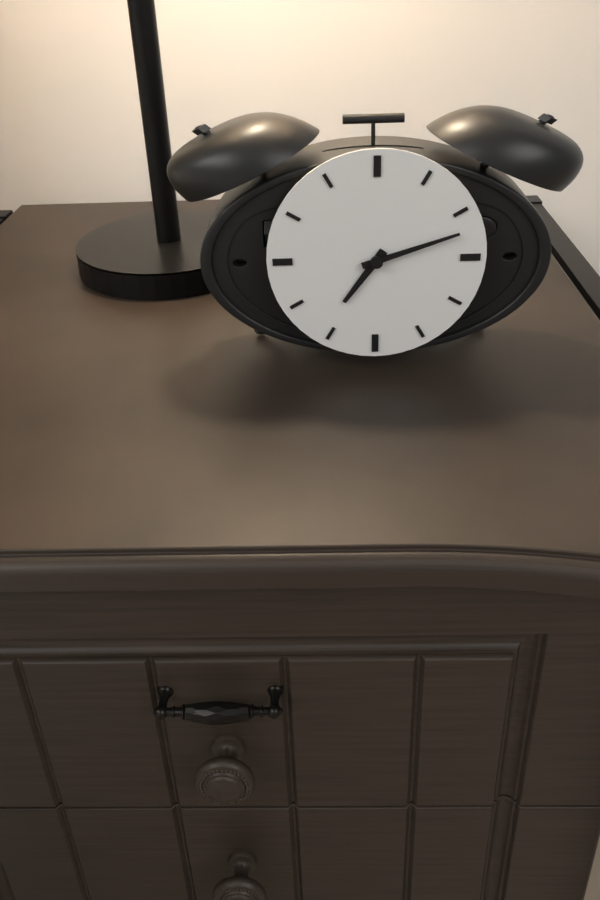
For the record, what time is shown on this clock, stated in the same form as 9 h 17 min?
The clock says 7 h 12 min
